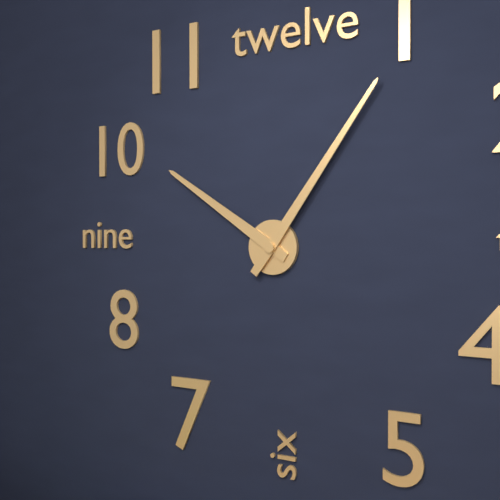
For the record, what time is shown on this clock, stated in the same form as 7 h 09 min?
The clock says 10 h 06 min
